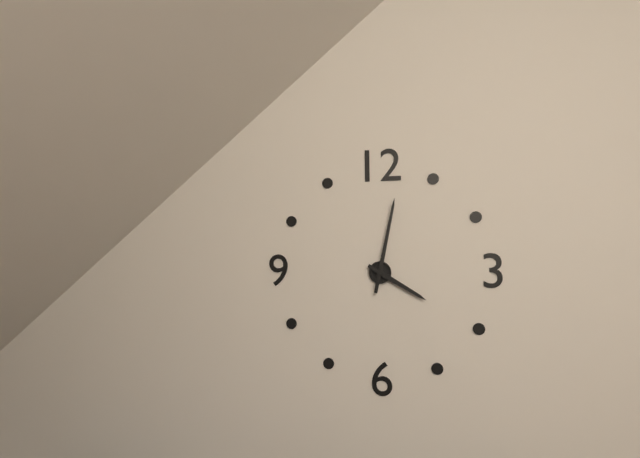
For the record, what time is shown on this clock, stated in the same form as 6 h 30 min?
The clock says 4 h 02 min
